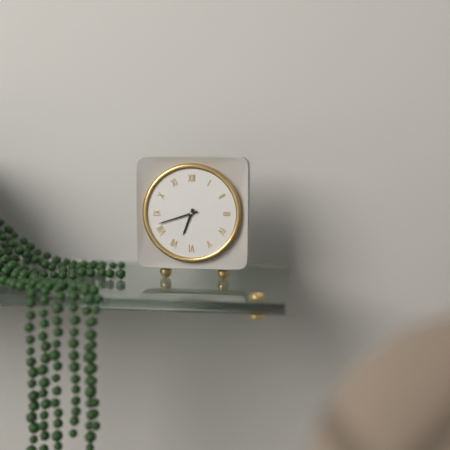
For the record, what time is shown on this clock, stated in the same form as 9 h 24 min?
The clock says 6 h 42 min
